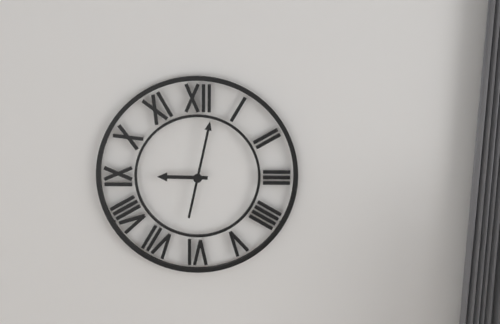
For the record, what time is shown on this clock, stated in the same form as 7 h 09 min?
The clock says 9 h 02 min
